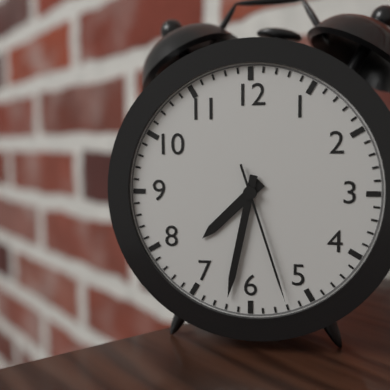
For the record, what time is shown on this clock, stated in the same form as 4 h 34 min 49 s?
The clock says 7 h 32 min 27 s
